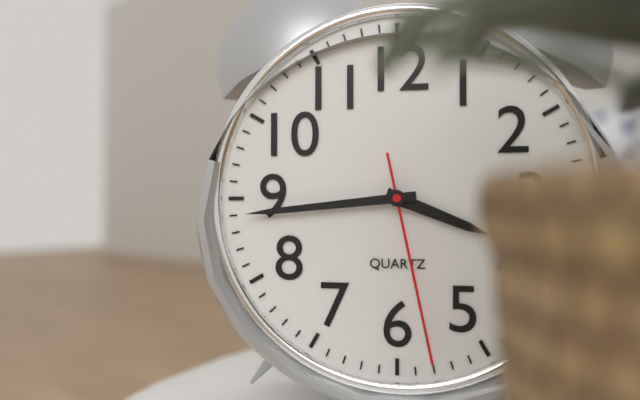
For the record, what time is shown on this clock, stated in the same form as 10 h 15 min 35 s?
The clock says 3 h 44 min 28 s
